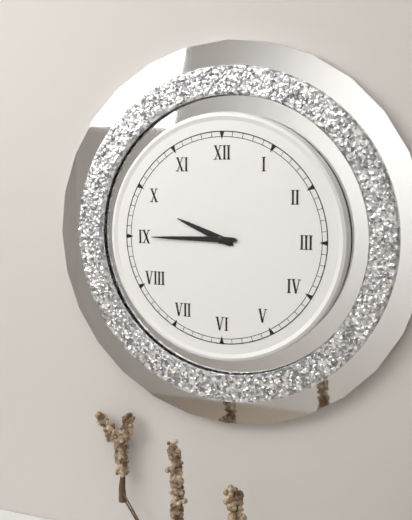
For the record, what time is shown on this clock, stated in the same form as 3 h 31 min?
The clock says 9 h 45 min
